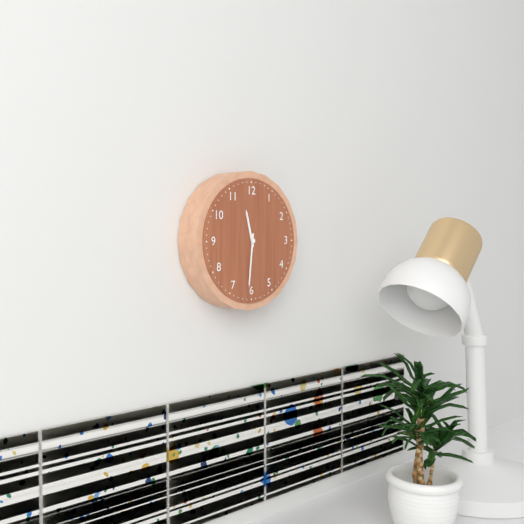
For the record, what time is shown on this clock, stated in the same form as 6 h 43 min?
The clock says 11 h 31 min
